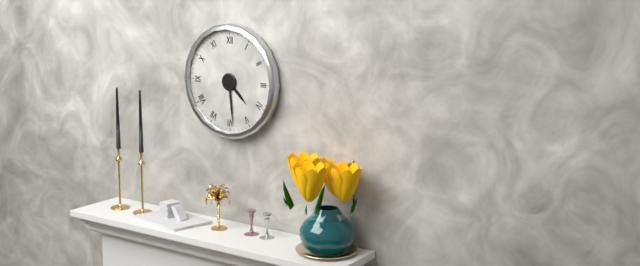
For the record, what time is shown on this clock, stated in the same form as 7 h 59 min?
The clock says 4 h 29 min
